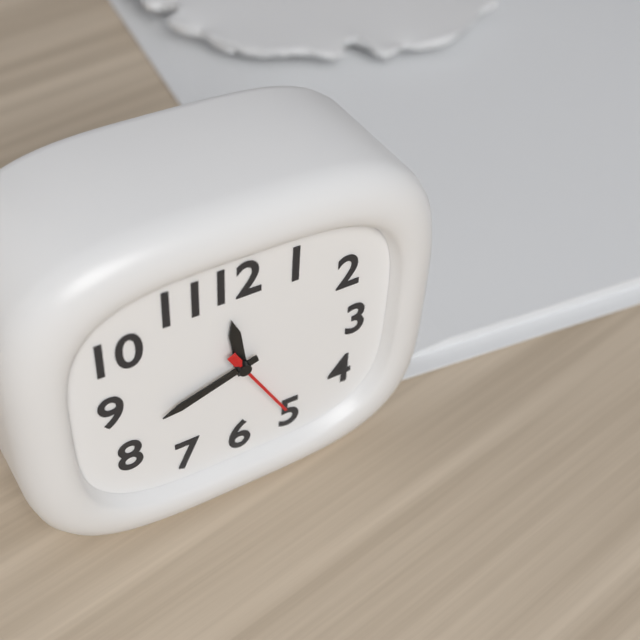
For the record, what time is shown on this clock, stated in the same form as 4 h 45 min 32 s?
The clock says 11 h 42 min 25 s
